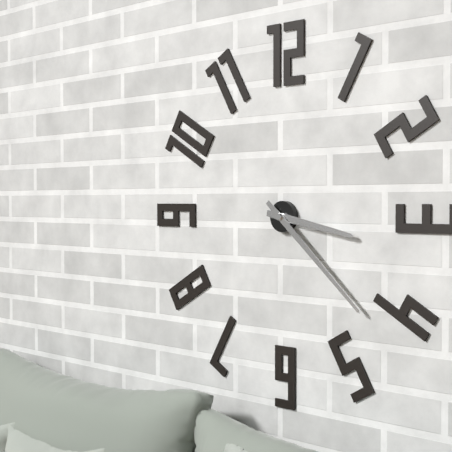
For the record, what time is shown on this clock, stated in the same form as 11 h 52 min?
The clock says 3 h 22 min
